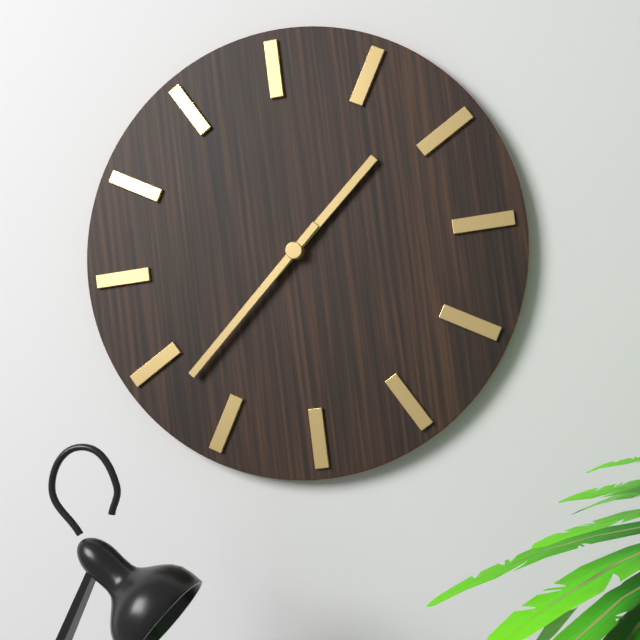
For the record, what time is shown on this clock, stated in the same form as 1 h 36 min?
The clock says 1 h 38 min
